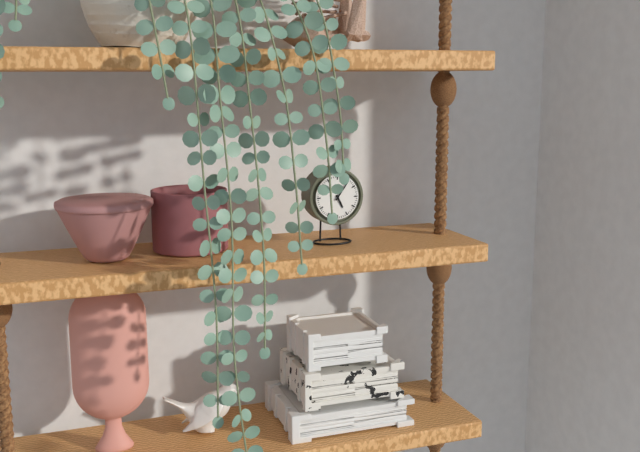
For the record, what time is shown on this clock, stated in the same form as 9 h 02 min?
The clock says 5 h 06 min
